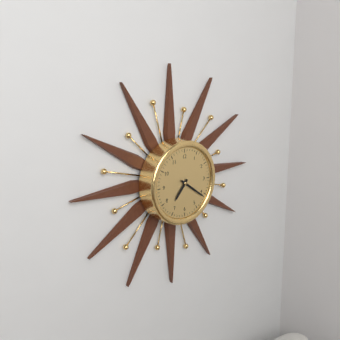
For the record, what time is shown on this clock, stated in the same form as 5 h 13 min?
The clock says 7 h 21 min
